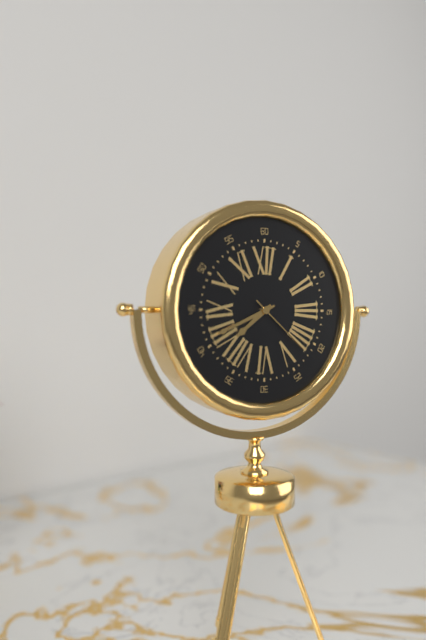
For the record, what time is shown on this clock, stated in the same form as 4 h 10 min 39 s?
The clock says 7 h 41 min 22 s
